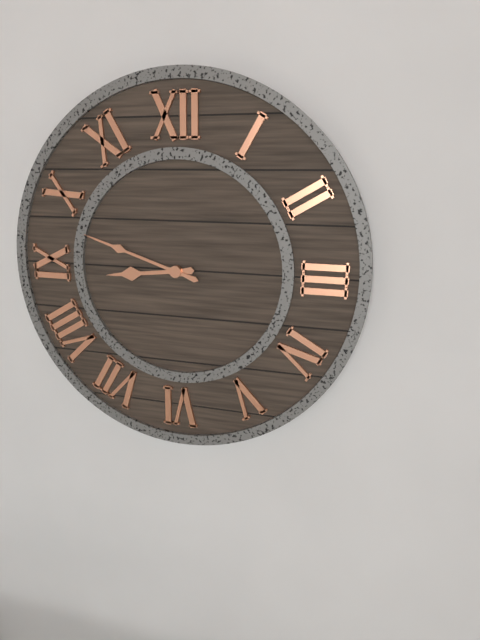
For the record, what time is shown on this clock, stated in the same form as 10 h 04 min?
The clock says 8 h 48 min
